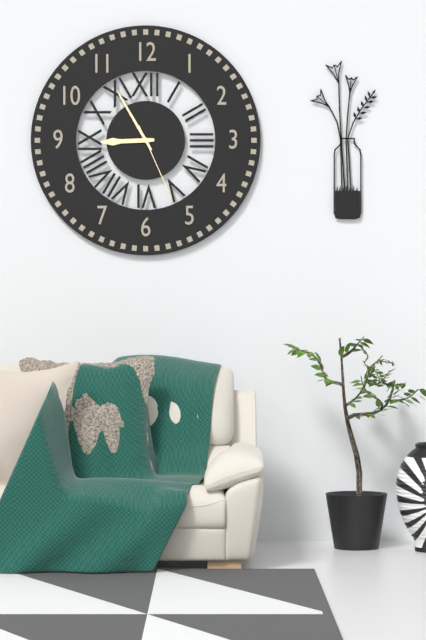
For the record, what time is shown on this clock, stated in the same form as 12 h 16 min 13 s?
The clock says 8 h 55 min 26 s
